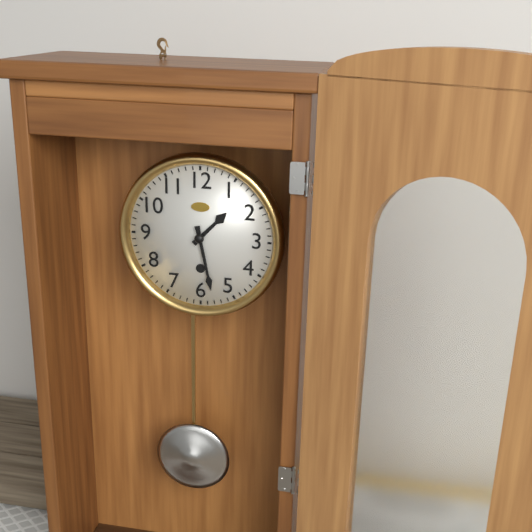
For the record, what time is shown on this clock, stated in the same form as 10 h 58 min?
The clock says 1 h 28 min
